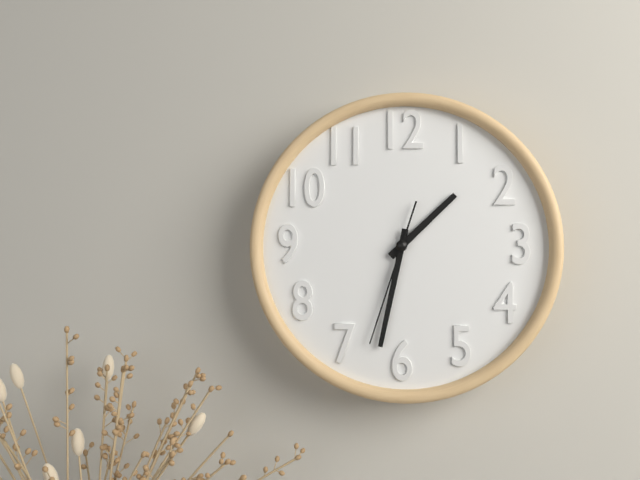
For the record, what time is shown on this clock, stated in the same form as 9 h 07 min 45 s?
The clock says 1 h 32 min 33 s
